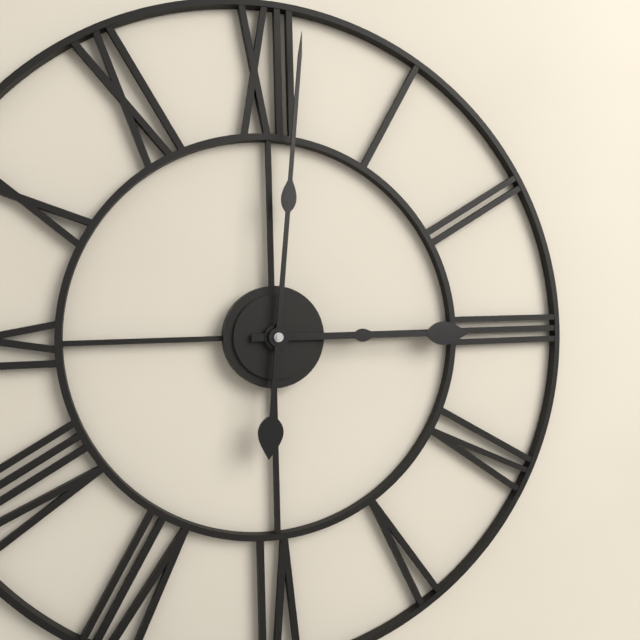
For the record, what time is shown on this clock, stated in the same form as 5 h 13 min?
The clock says 3 h 01 min
